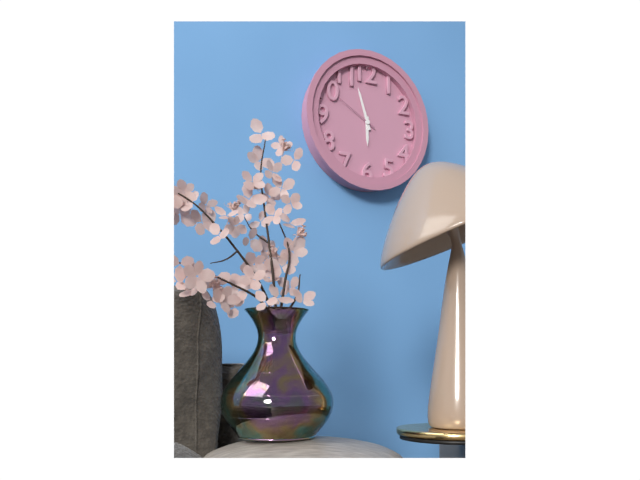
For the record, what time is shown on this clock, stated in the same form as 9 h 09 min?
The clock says 5 h 57 min
